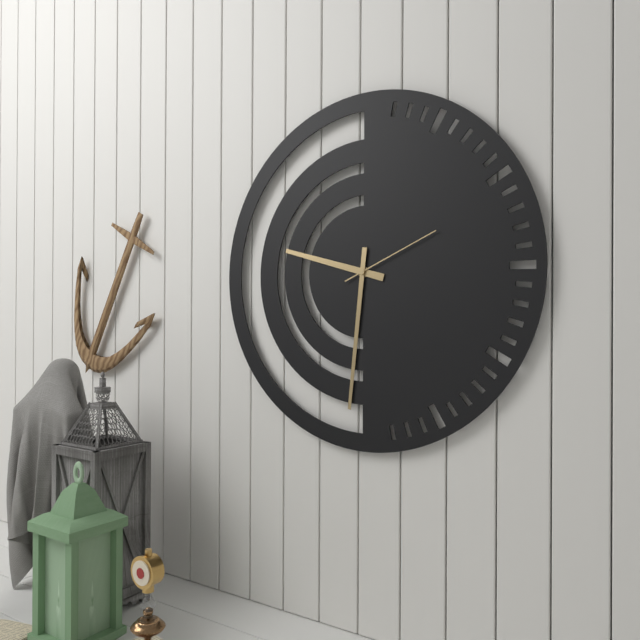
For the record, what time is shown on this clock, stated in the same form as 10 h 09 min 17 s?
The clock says 9 h 31 min 11 s
